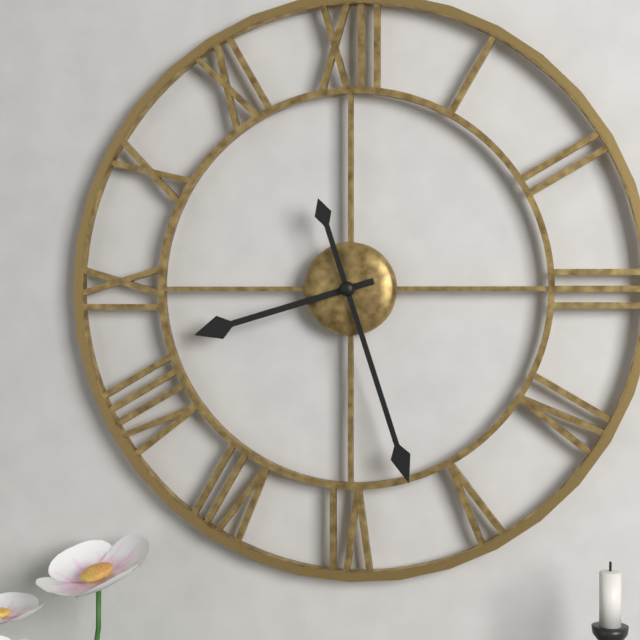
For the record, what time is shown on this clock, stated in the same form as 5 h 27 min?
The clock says 8 h 27 min
